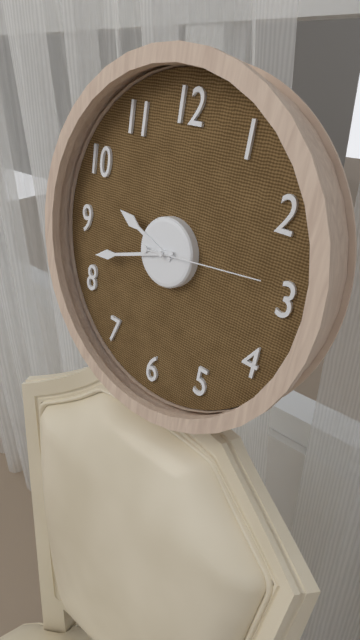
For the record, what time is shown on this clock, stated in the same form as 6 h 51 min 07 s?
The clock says 9 h 42 min 14 s
